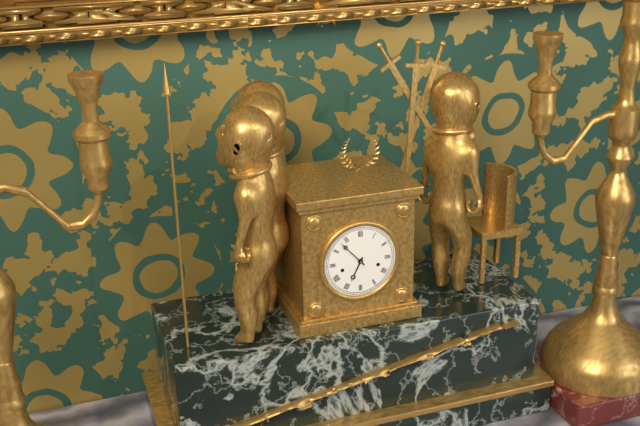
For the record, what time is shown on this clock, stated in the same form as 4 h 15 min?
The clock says 6 h 53 min
